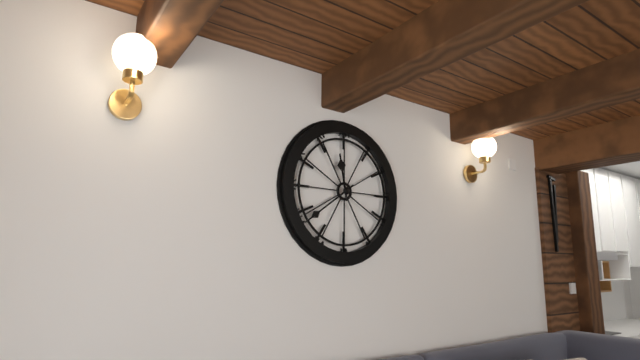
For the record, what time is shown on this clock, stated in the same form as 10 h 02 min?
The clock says 11 h 39 min
